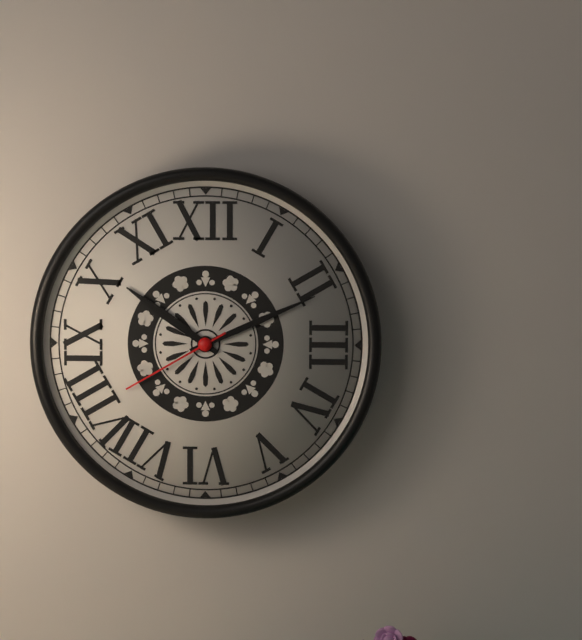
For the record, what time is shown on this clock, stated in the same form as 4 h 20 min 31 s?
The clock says 10 h 11 min 40 s
